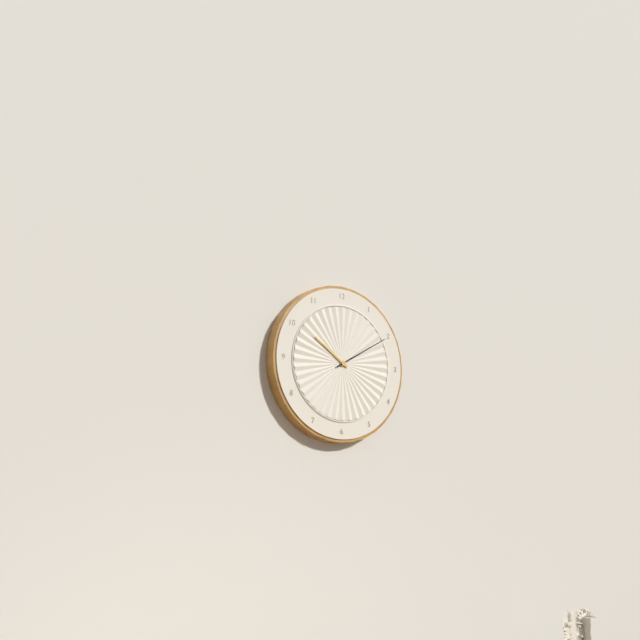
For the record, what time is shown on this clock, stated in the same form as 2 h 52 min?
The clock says 10 h 10 min
